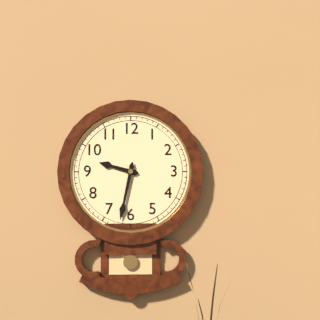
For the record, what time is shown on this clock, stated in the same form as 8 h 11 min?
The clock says 9 h 32 min
